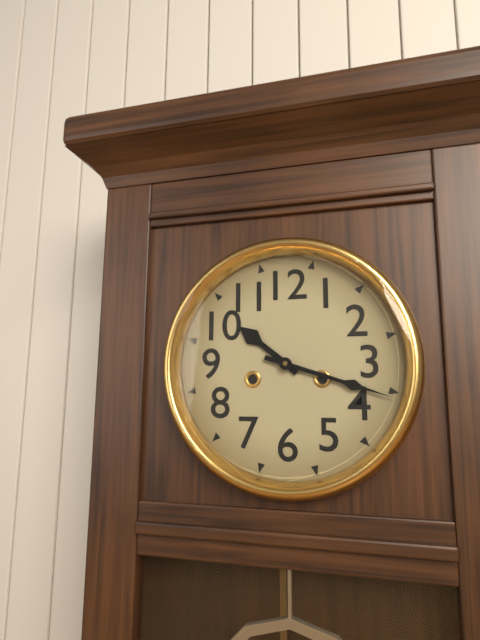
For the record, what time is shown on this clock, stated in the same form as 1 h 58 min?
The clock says 10 h 18 min
